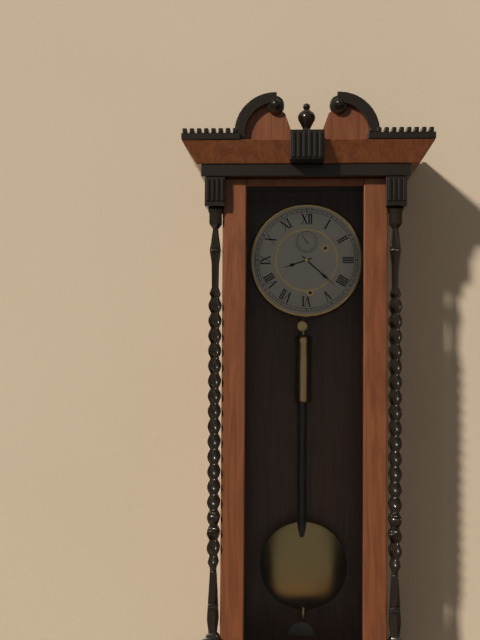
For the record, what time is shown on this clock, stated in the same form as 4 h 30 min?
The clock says 8 h 22 min
